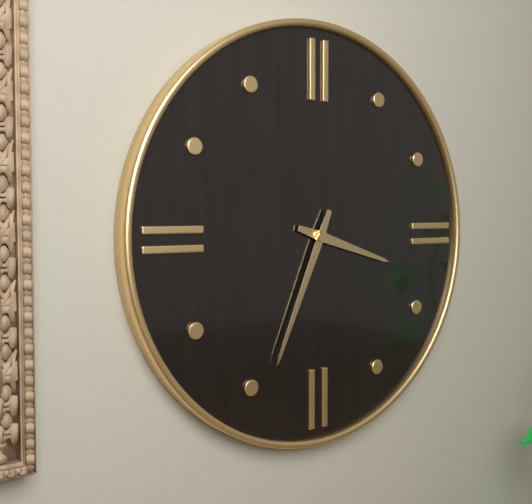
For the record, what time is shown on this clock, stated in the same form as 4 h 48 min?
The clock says 3 h 34 min
